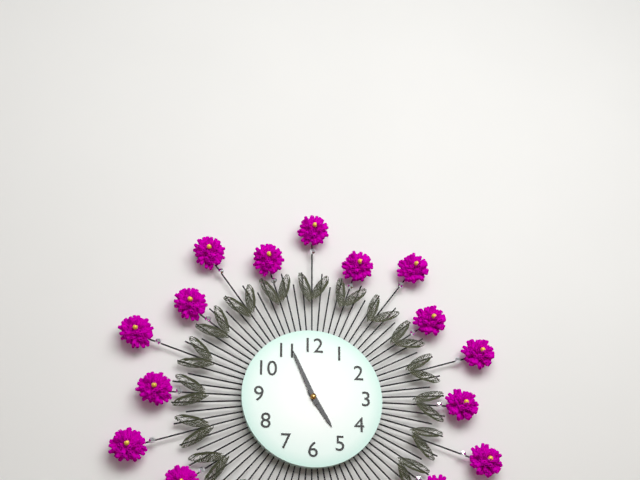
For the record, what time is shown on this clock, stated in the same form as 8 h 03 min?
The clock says 4 h 56 min
